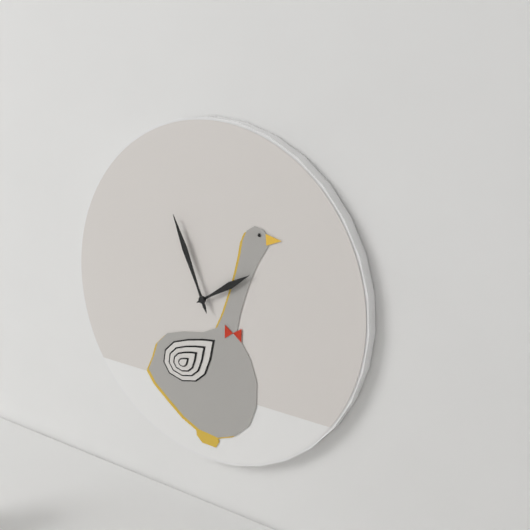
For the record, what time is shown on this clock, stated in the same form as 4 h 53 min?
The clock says 1 h 56 min
